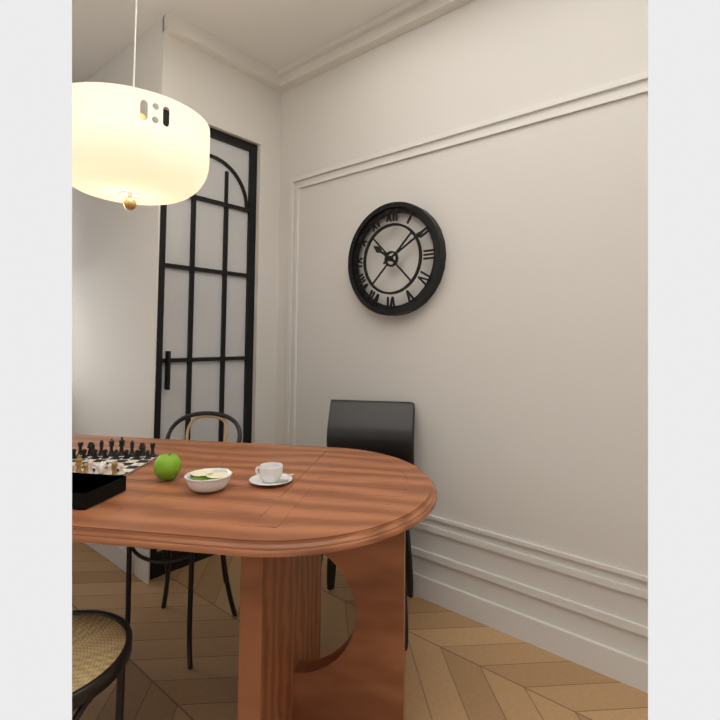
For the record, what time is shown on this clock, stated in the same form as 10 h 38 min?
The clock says 10 h 10 min
